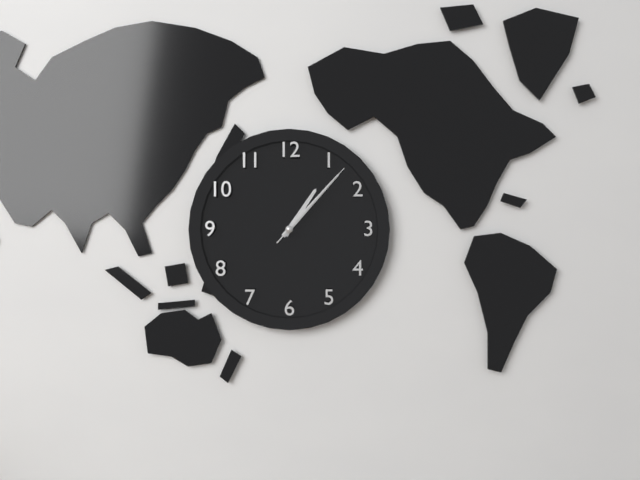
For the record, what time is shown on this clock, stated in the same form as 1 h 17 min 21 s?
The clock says 1 h 07 min 07 s
